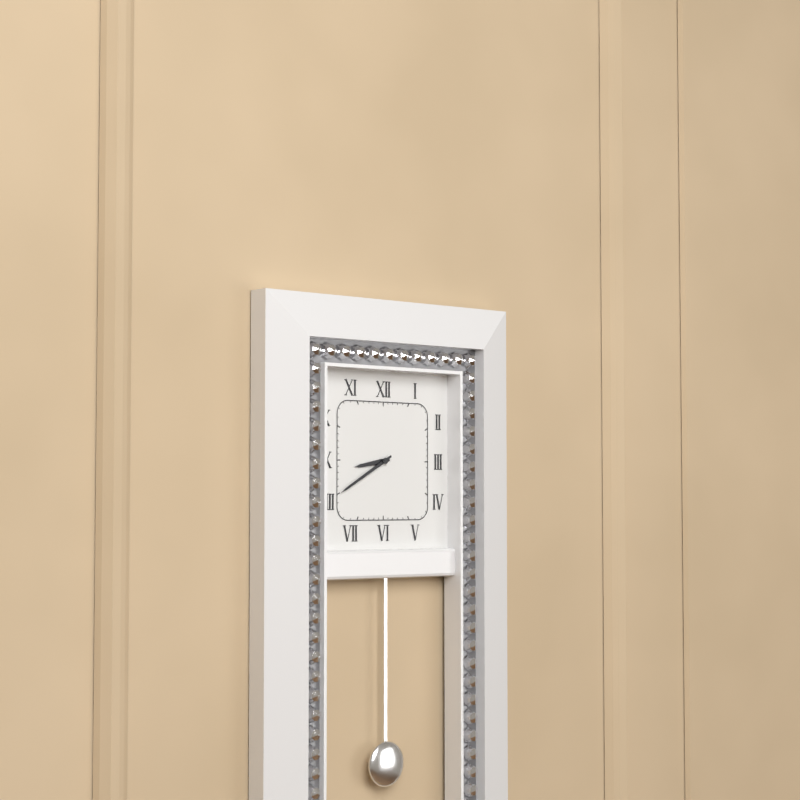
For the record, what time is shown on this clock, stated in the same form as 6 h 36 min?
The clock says 8 h 40 min
